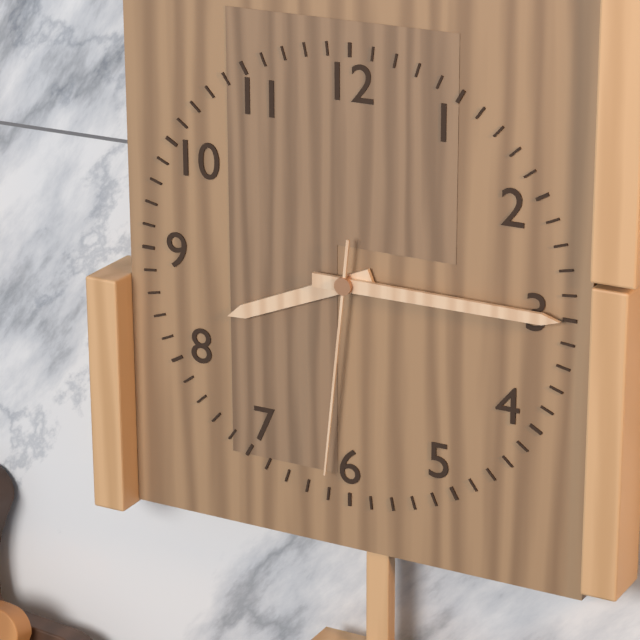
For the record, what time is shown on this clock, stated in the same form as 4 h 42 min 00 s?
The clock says 8 h 15 min 31 s
